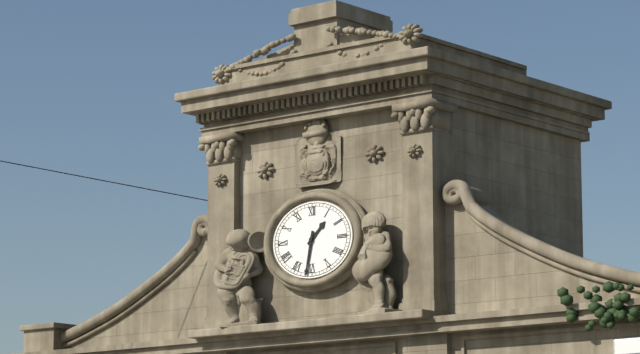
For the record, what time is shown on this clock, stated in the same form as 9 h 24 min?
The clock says 1 h 32 min
